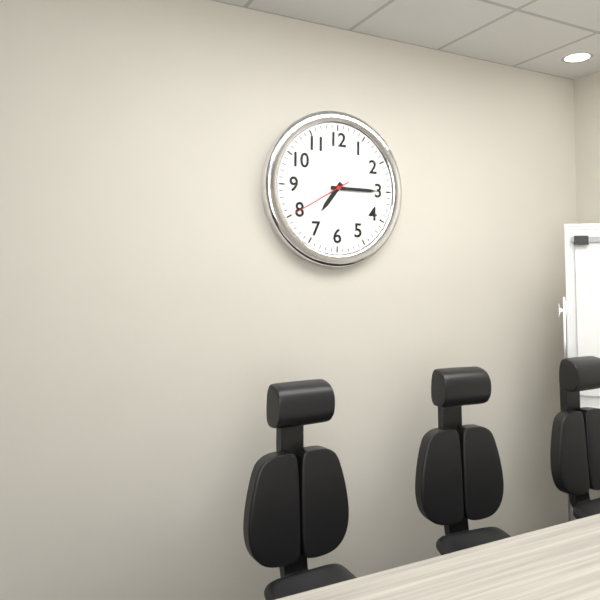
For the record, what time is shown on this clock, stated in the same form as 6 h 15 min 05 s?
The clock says 7 h 15 min 40 s
